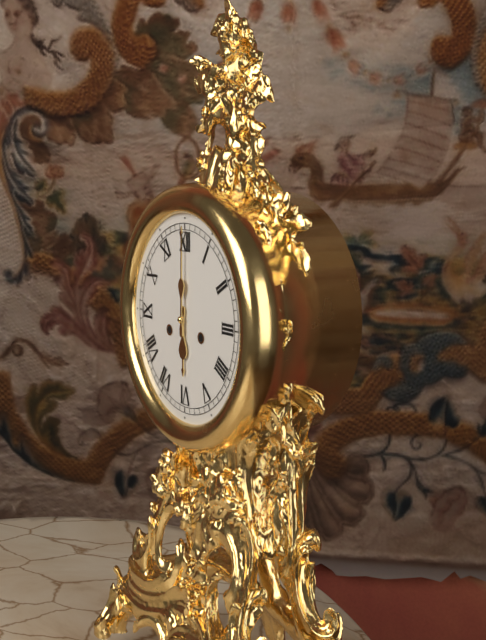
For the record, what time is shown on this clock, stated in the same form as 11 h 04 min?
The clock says 6 h 00 min
